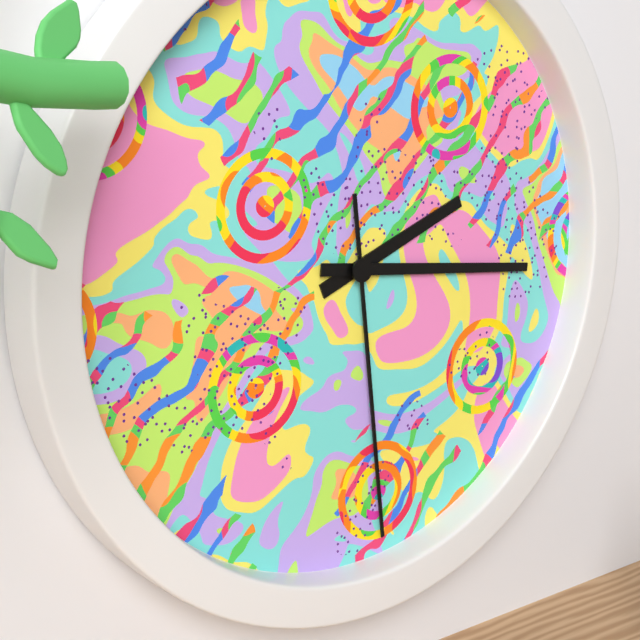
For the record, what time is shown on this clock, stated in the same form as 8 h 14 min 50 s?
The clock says 2 h 16 min 29 s
